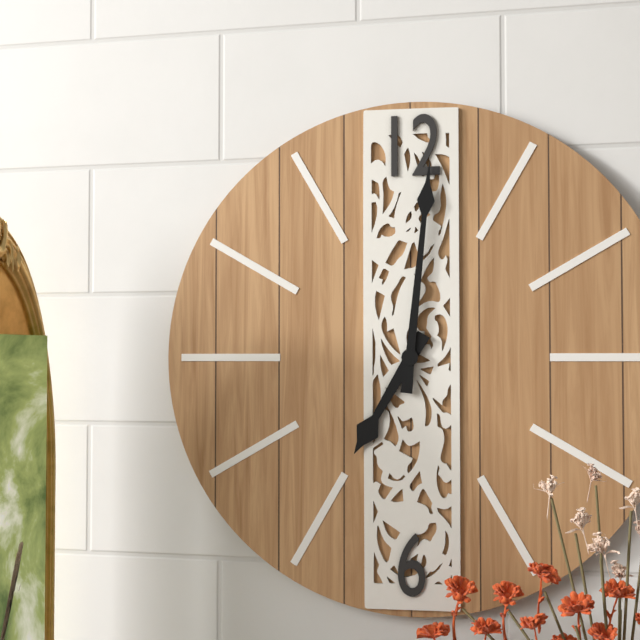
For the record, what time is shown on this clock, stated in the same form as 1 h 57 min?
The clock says 7 h 01 min
